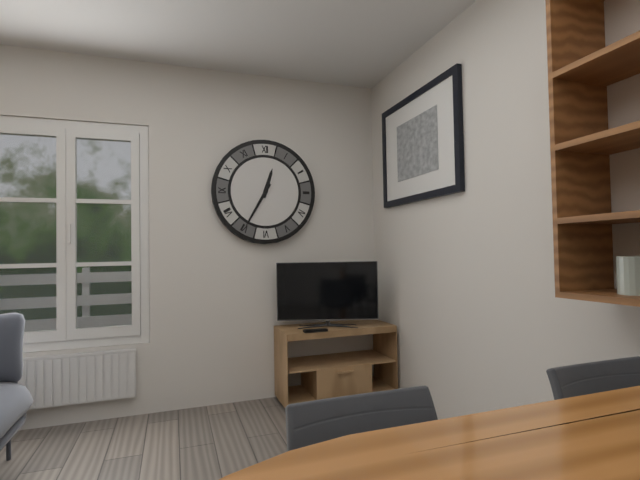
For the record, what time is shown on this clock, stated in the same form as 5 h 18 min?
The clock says 12 h 35 min
